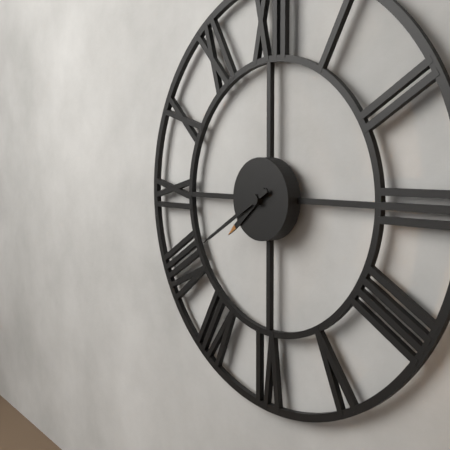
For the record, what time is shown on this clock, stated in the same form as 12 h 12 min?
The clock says 7 h 40 min
